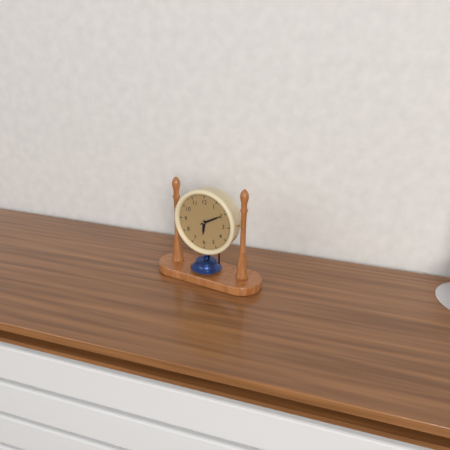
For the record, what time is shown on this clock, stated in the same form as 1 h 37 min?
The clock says 6 h 10 min
